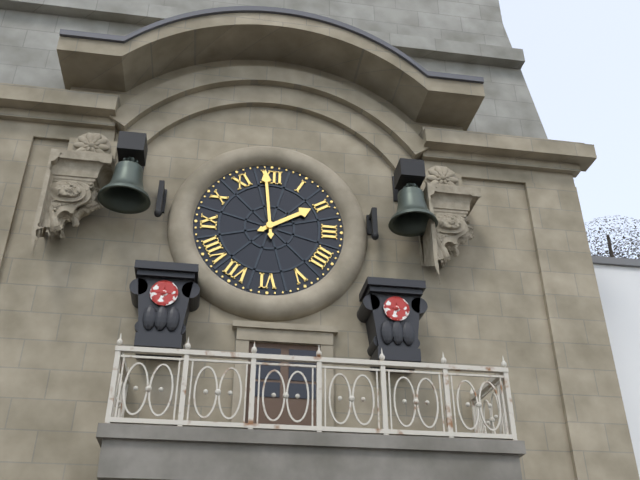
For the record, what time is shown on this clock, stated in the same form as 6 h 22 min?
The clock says 1 h 59 min
